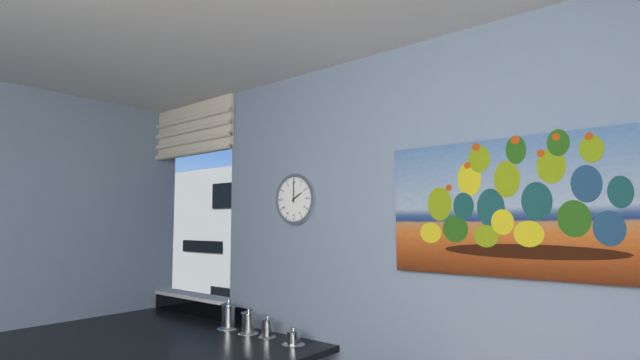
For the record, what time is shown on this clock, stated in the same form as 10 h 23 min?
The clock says 2 h 00 min
